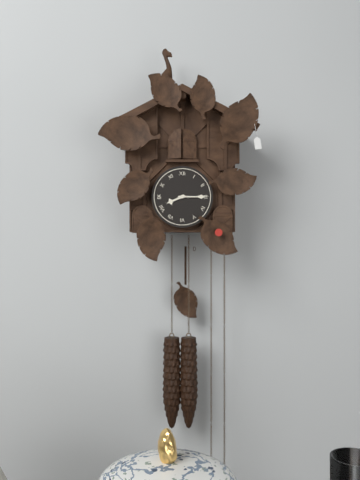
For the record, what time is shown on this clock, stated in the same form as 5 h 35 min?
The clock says 8 h 15 min
